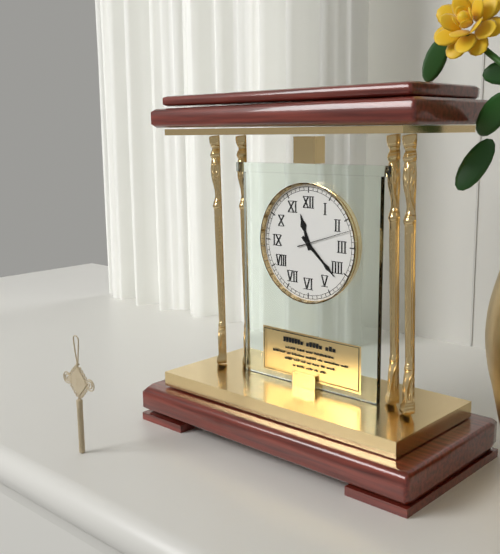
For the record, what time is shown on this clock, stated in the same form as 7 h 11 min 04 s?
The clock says 11 h 22 min 12 s
